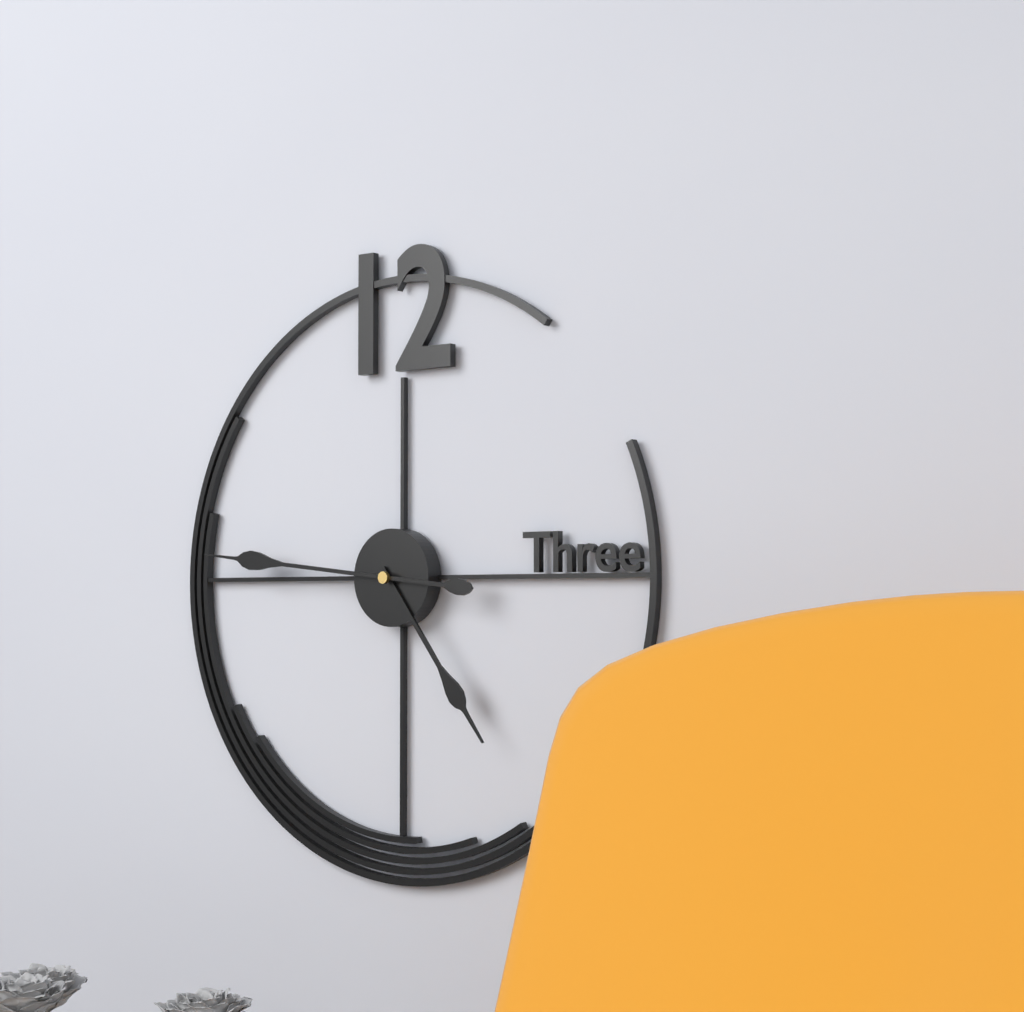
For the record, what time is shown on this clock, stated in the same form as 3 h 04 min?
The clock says 4 h 46 min
